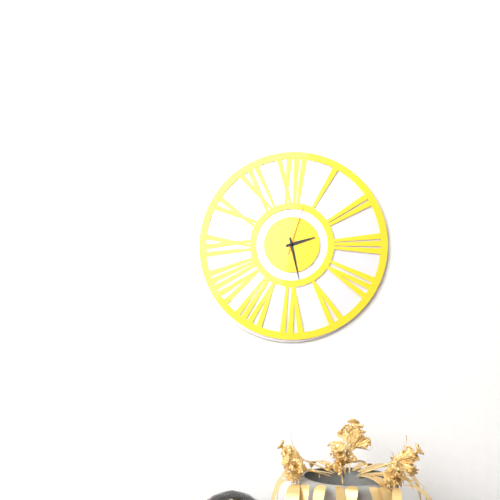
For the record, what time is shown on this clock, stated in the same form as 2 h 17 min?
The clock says 2 h 28 min
